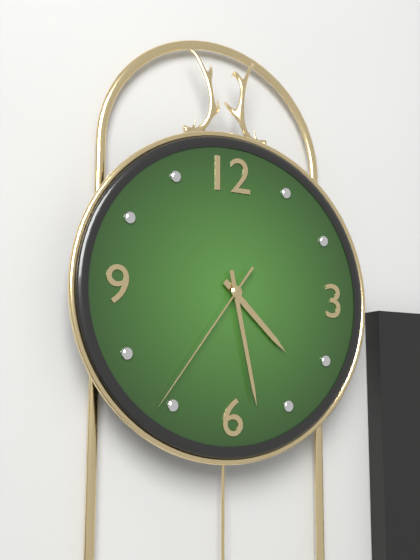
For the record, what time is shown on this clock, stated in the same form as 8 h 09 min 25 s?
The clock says 4 h 28 min 36 s
